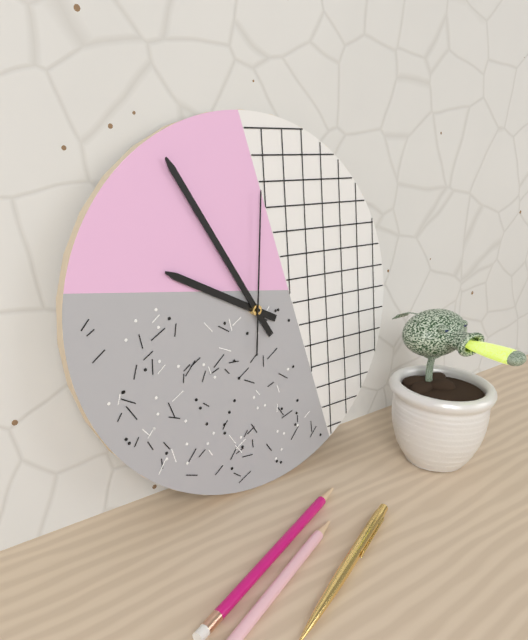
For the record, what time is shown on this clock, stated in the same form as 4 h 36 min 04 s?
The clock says 9 h 55 min 01 s
